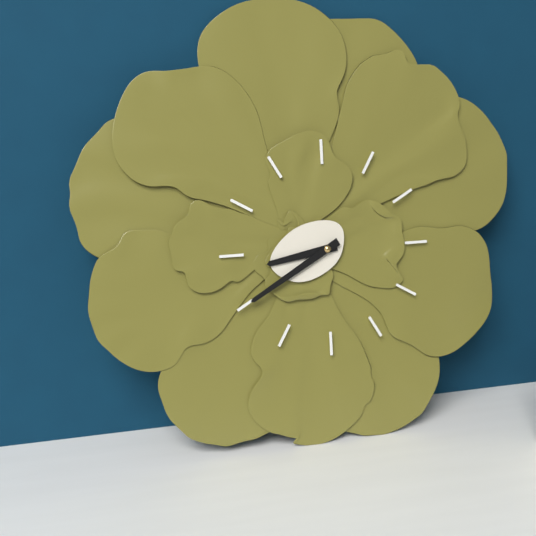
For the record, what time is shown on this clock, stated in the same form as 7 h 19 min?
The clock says 8 h 40 min
